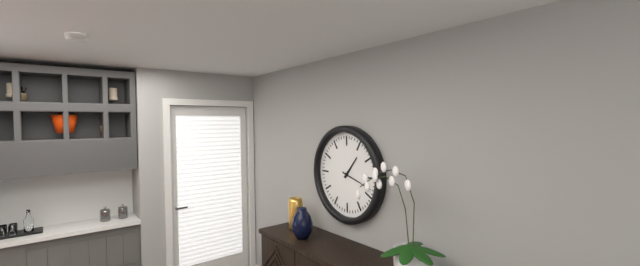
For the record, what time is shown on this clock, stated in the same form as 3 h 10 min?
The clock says 1 h 18 min
